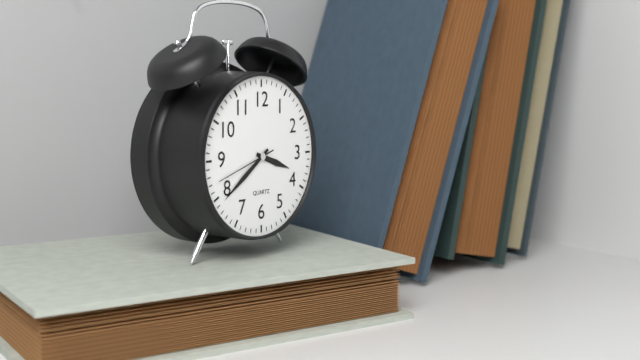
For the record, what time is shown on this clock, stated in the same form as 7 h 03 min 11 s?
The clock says 3 h 39 min 42 s
